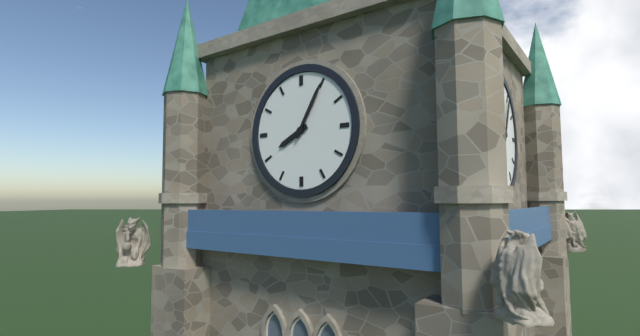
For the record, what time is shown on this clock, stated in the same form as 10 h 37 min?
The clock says 8 h 05 min
